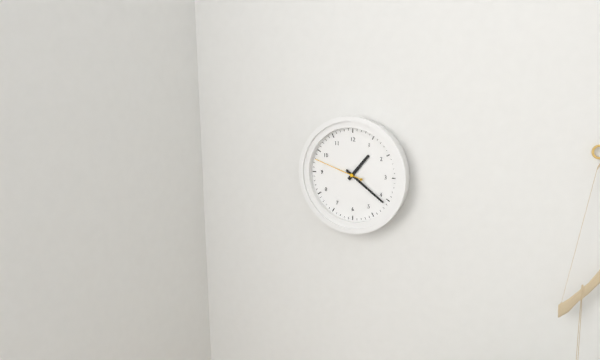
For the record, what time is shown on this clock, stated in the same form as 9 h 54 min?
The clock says 1 h 21 min
